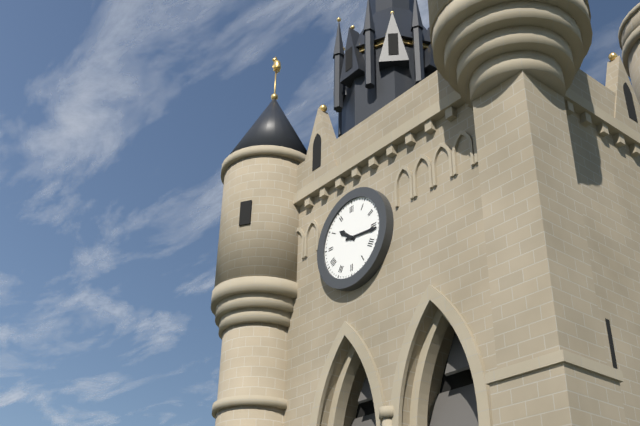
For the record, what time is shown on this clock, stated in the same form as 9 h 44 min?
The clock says 10 h 16 min
